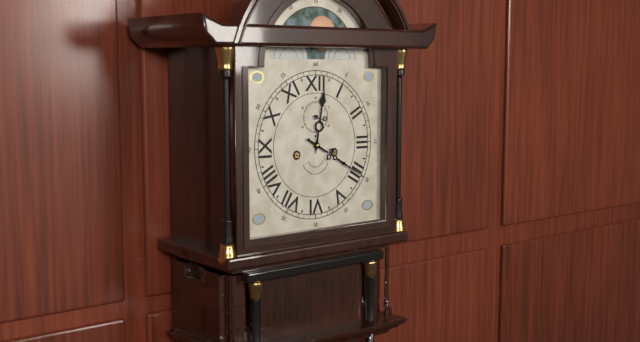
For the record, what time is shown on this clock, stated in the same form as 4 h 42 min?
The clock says 12 h 20 min
